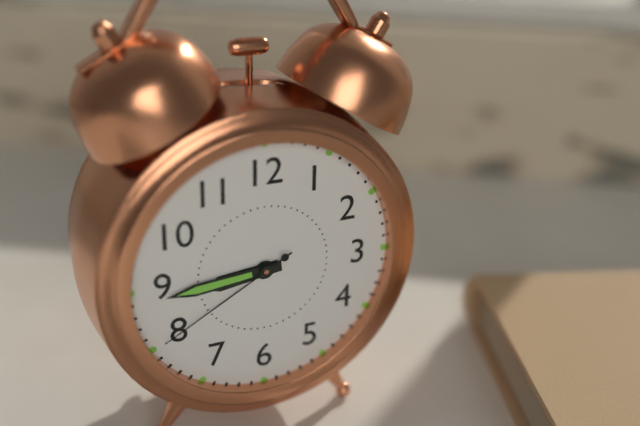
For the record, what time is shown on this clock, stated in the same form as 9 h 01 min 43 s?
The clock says 8 h 44 min 40 s
